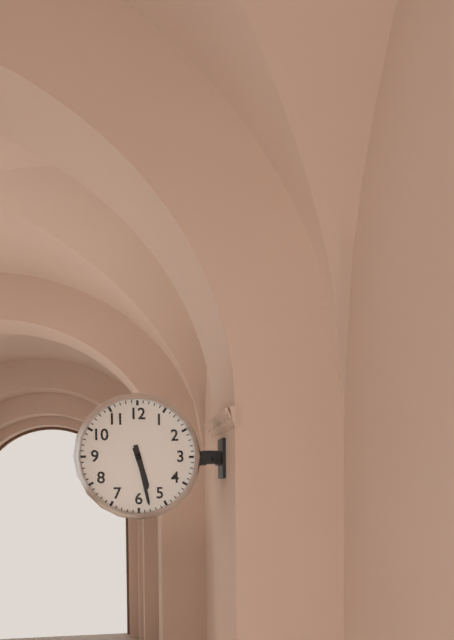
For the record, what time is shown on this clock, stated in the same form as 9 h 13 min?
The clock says 5 h 28 min
